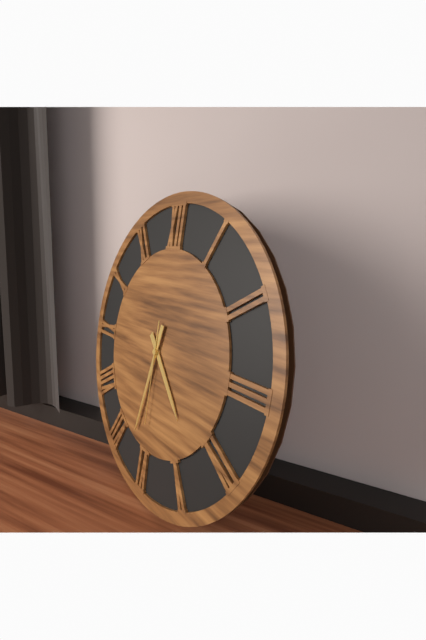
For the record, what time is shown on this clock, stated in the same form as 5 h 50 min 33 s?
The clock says 4 h 32 min 30 s
